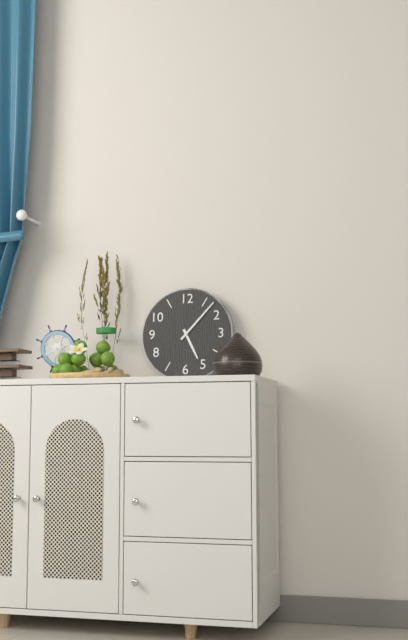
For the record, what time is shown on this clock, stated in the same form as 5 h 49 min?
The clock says 5 h 07 min
